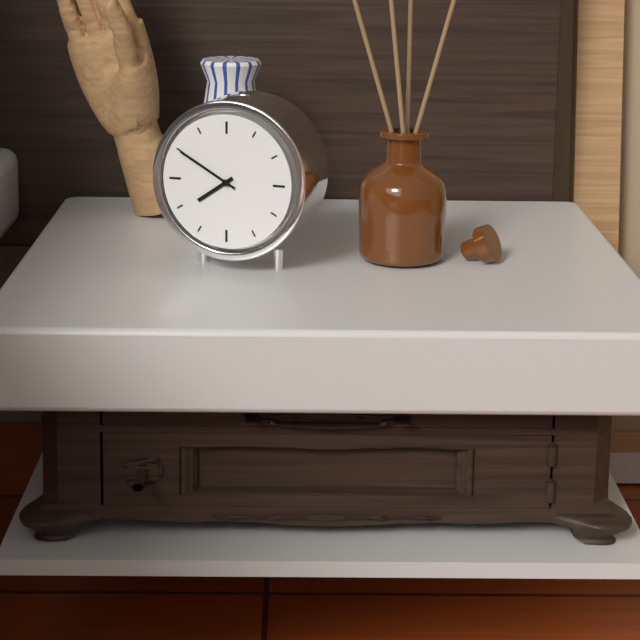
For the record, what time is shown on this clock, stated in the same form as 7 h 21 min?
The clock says 7 h 50 min
